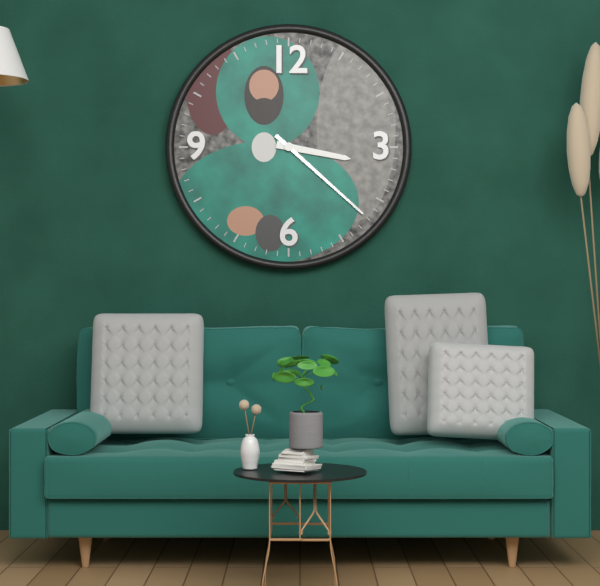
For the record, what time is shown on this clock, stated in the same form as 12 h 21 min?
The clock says 3 h 22 min
